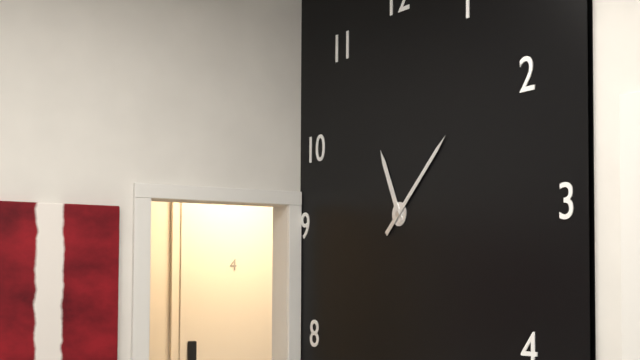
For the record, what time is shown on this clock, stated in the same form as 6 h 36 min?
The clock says 11 h 08 min
